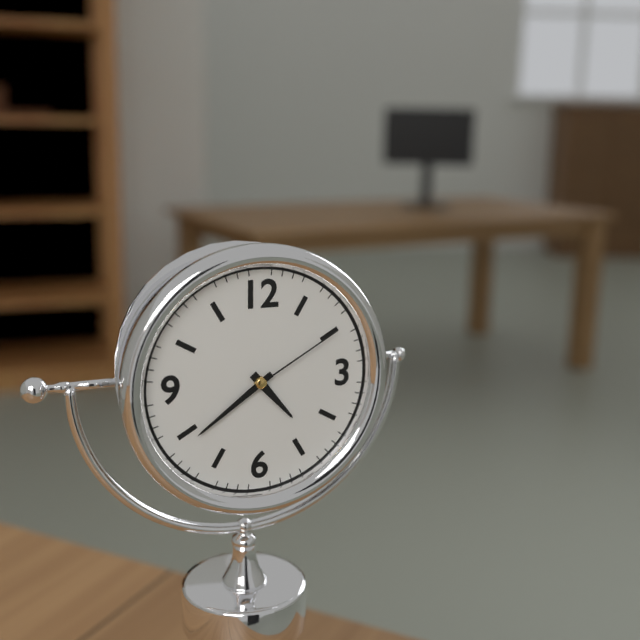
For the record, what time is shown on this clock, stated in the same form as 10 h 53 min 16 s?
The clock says 4 h 39 min 10 s
